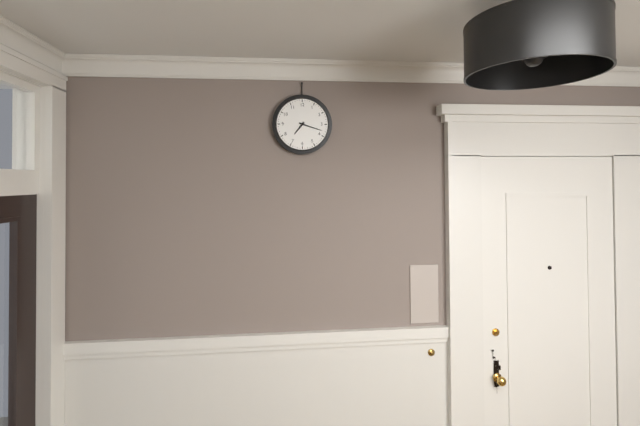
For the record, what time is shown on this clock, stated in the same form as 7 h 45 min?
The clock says 7 h 18 min
